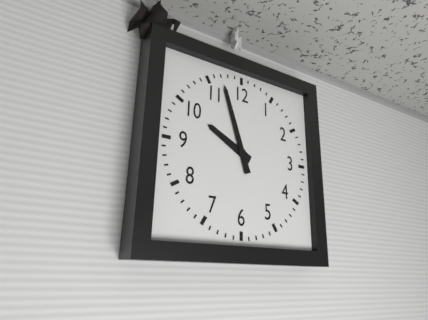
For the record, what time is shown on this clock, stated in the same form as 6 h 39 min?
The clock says 9 h 57 min
